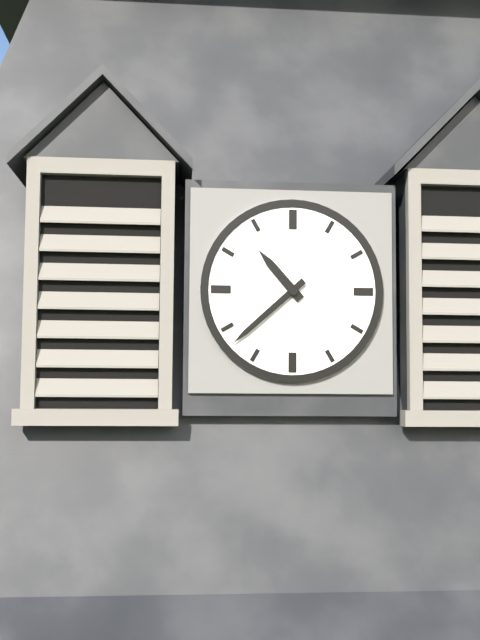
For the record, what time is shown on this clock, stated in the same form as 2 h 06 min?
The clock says 10 h 38 min
